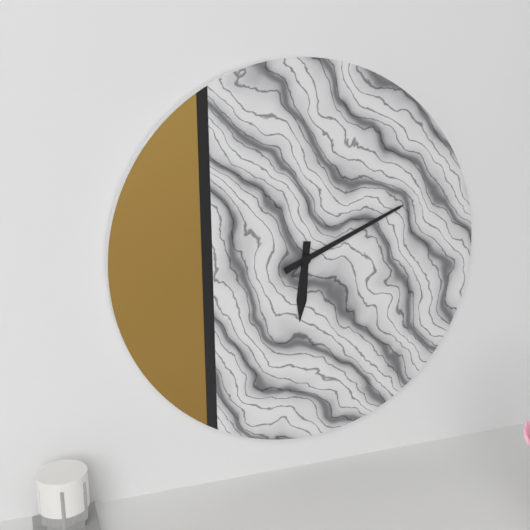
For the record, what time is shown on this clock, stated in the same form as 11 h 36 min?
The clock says 6 h 11 min
